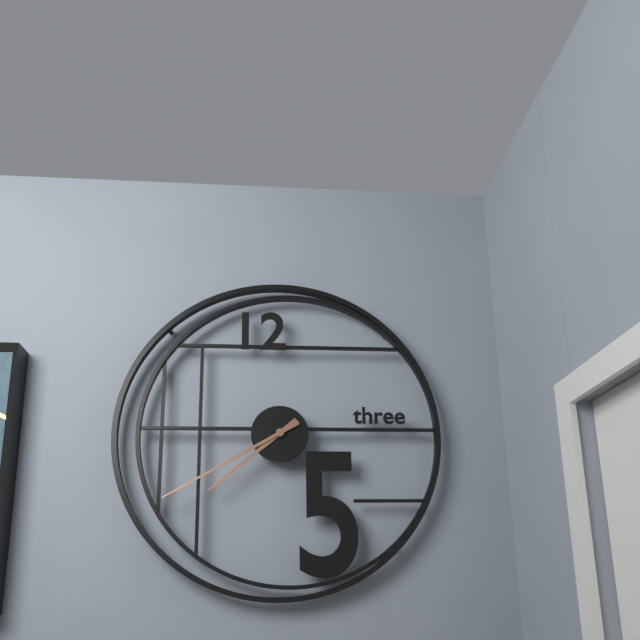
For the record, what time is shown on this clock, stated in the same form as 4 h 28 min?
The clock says 7 h 40 min
